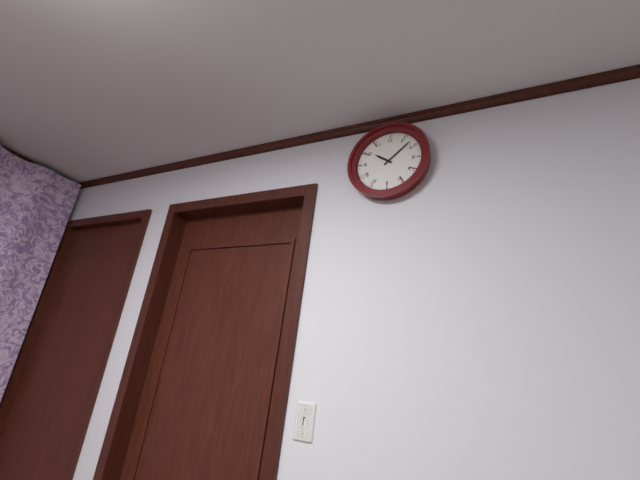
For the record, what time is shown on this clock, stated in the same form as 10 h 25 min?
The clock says 10 h 08 min
